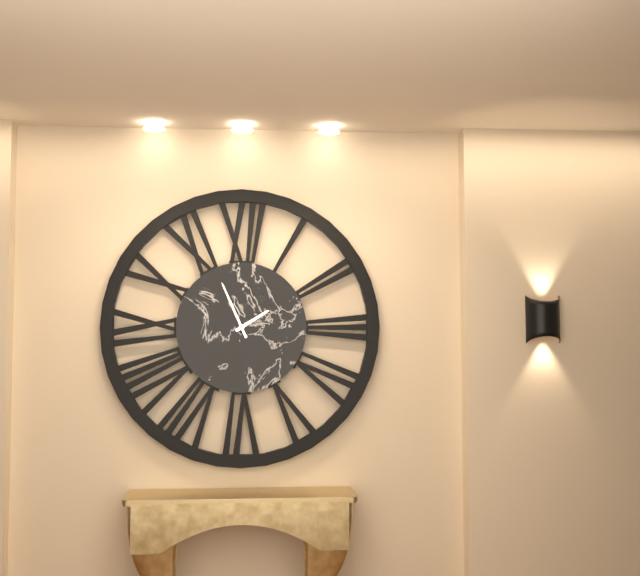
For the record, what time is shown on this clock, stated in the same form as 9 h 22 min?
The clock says 1 h 56 min
